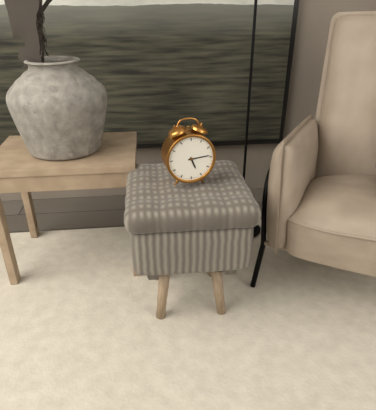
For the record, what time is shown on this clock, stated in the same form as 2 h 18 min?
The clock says 5 h 14 min
